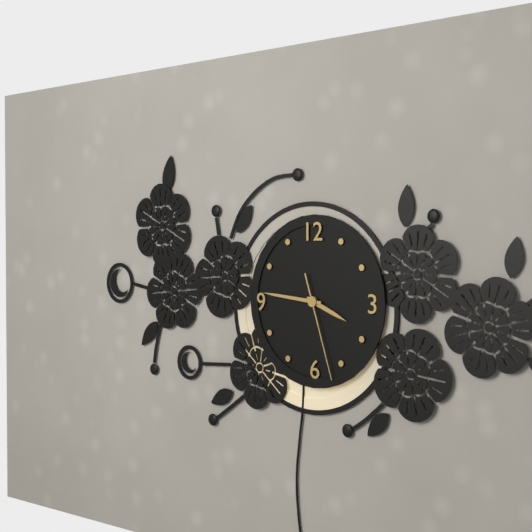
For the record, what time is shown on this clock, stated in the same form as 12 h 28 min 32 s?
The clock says 3 h 46 min 27 s
